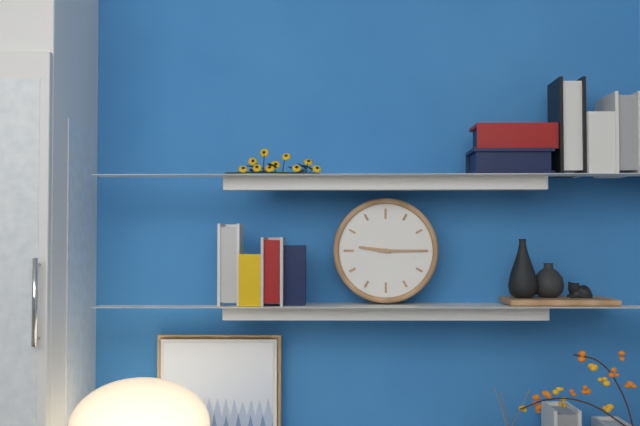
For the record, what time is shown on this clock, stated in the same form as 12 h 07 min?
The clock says 9 h 15 min
